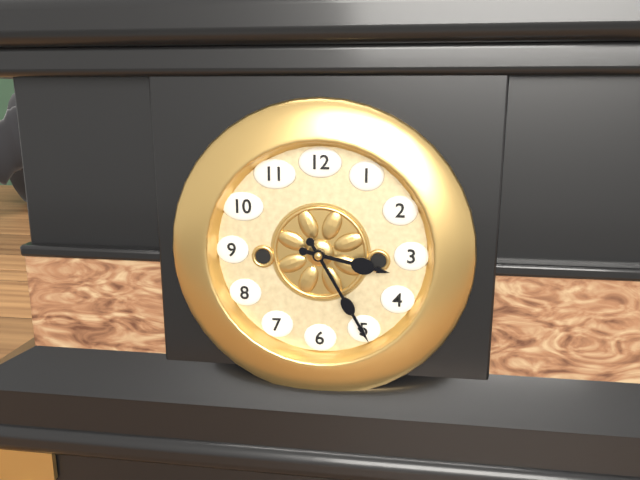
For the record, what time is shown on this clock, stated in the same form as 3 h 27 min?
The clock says 3 h 25 min
